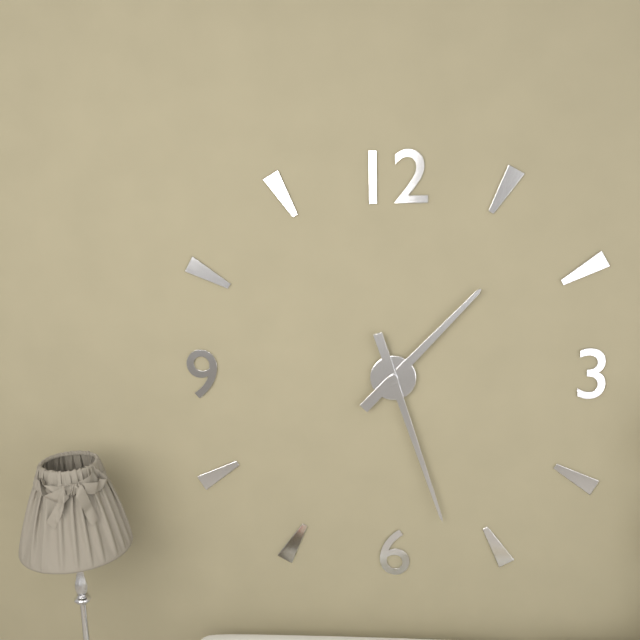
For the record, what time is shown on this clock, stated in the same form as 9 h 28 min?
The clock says 1 h 27 min
